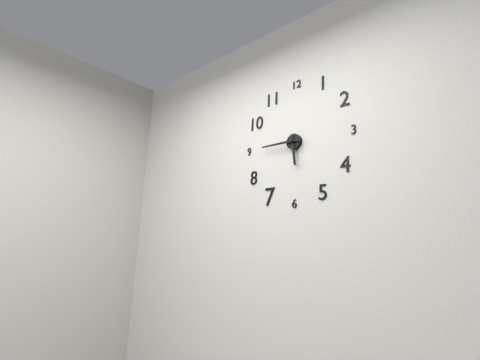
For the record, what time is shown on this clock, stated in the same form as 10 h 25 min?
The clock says 5 h 45 min
